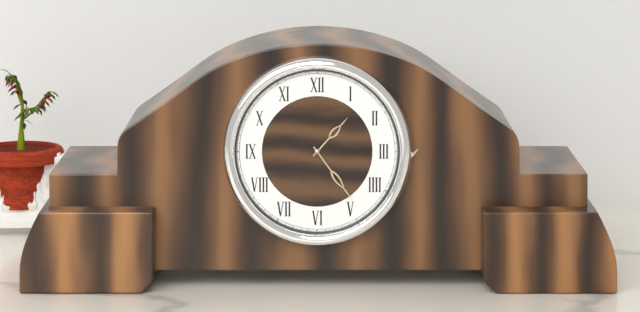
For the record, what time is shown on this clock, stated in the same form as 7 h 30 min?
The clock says 1 h 24 min
